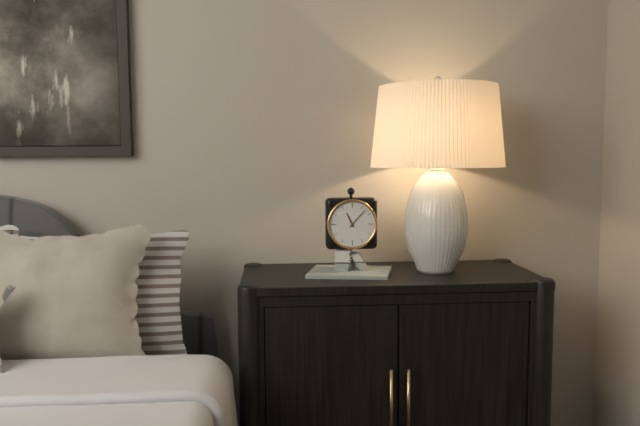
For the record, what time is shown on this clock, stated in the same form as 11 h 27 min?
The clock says 11 h 07 min
